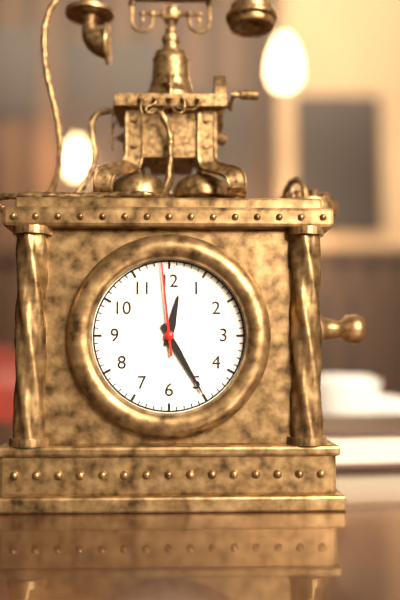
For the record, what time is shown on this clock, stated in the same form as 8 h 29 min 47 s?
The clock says 12 h 25 min 59 s
